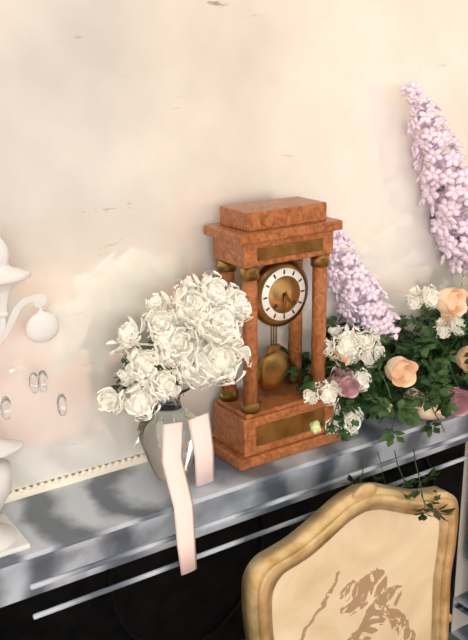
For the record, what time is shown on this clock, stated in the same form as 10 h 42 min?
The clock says 4 h 31 min
